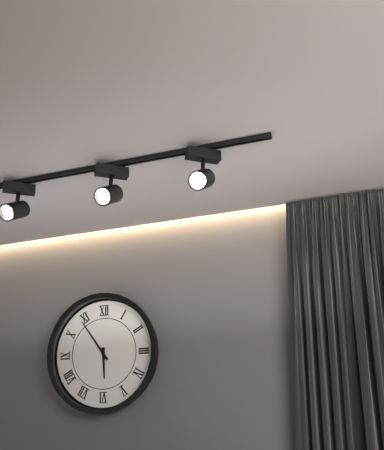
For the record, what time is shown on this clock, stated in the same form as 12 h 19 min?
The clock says 5 h 54 min
